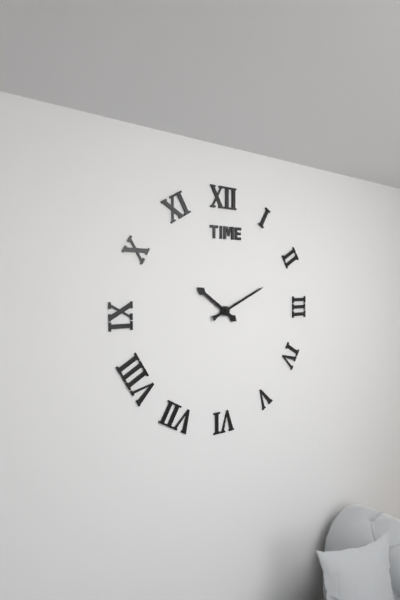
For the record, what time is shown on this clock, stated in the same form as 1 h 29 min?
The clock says 10 h 11 min
